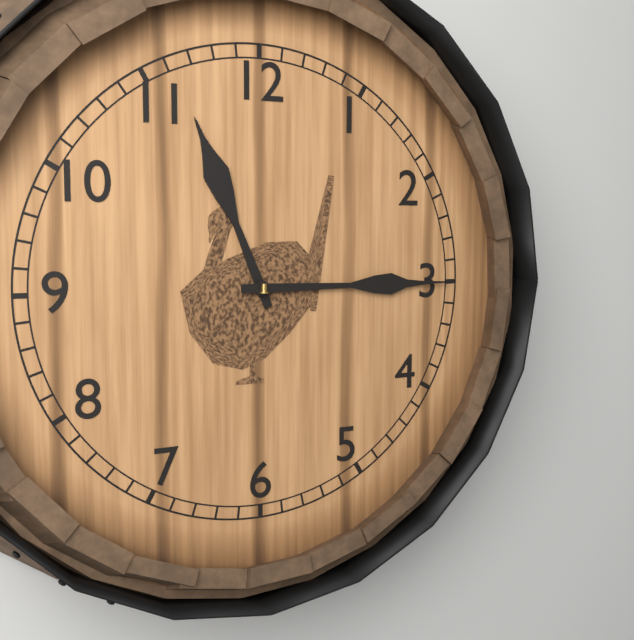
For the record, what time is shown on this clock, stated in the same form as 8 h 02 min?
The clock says 11 h 15 min
